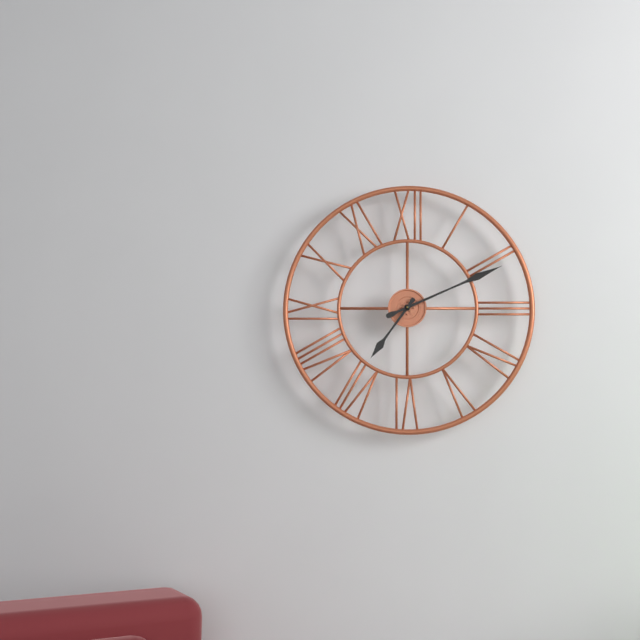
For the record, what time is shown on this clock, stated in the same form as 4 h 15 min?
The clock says 7 h 11 min
